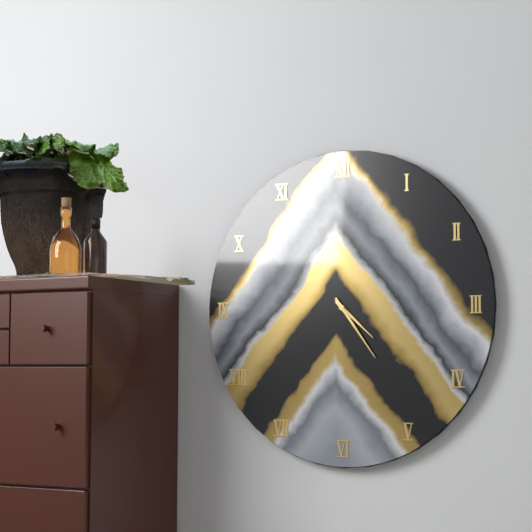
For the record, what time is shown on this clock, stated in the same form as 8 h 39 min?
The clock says 4 h 24 min
